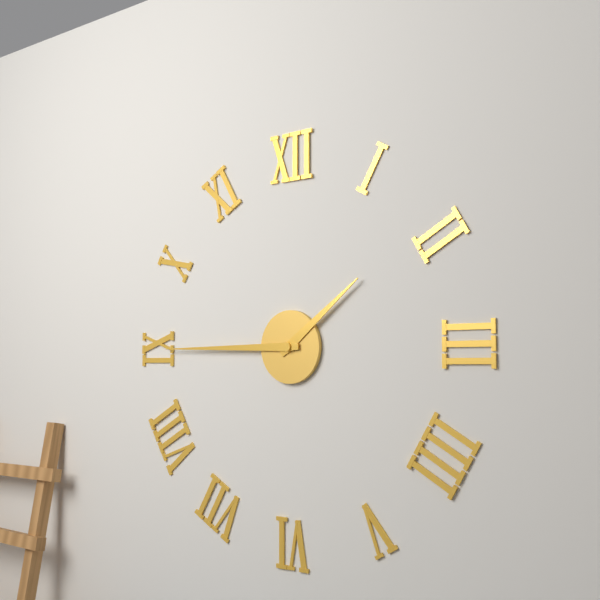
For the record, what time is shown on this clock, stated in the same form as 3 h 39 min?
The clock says 1 h 45 min
